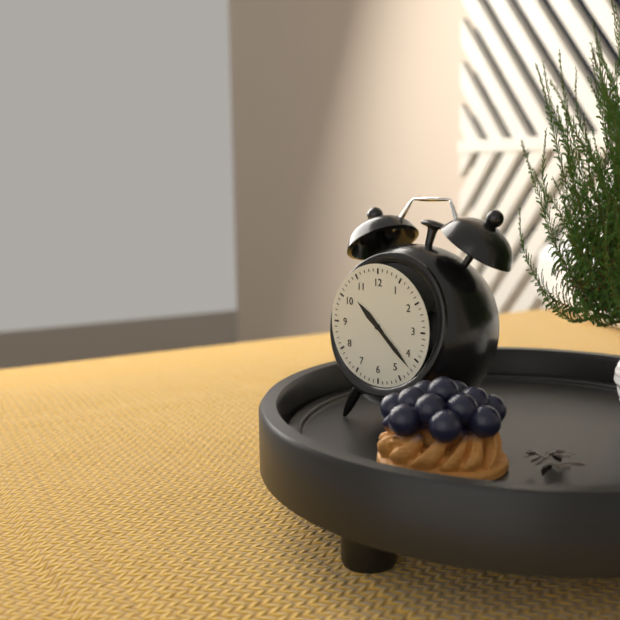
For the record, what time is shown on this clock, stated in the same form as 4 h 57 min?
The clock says 10 h 22 min
